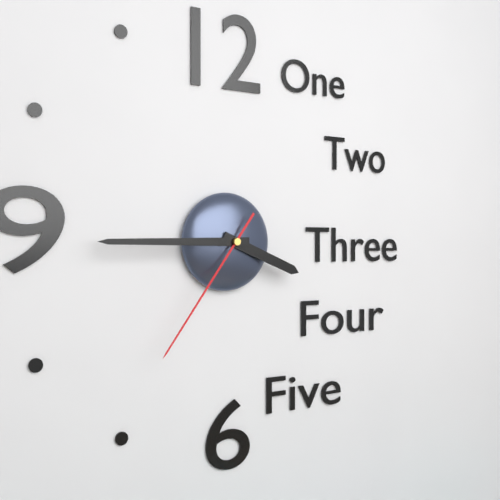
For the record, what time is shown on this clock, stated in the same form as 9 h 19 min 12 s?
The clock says 3 h 45 min 36 s
